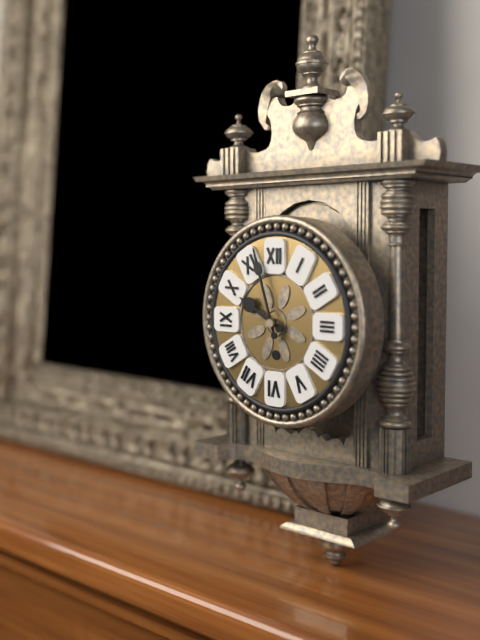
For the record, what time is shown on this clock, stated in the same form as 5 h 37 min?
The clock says 9 h 57 min
